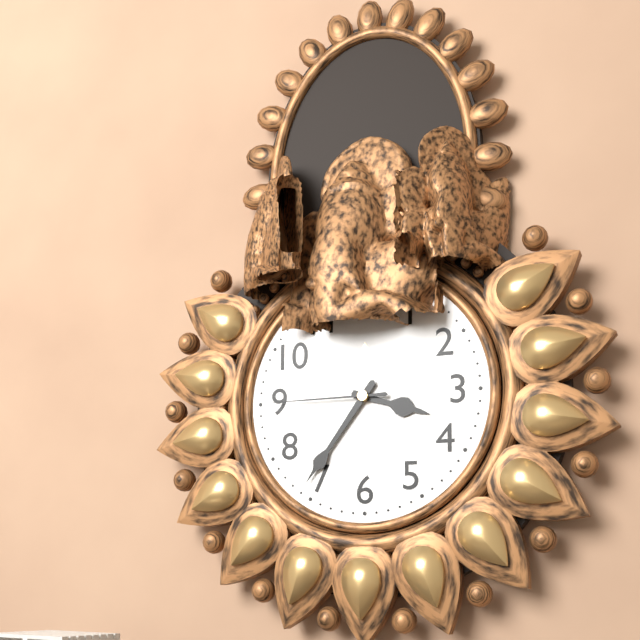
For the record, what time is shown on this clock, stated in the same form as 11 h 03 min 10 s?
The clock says 3 h 36 min 45 s
